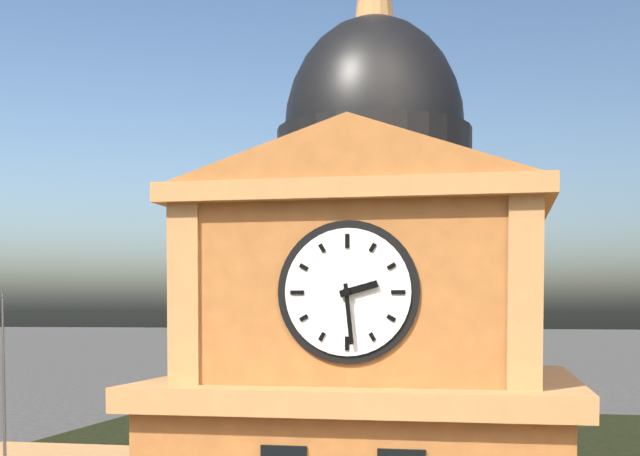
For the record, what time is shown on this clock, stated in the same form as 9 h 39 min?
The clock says 2 h 29 min
